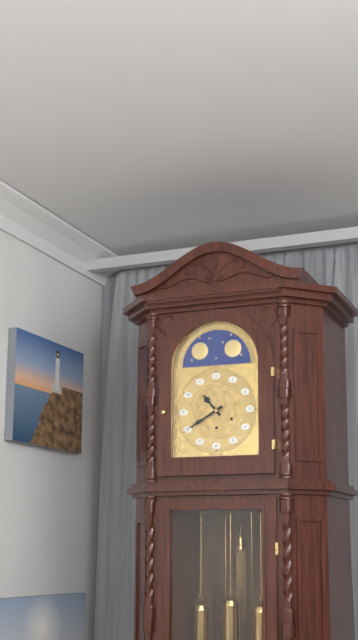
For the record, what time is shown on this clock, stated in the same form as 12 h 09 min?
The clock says 10 h 40 min
